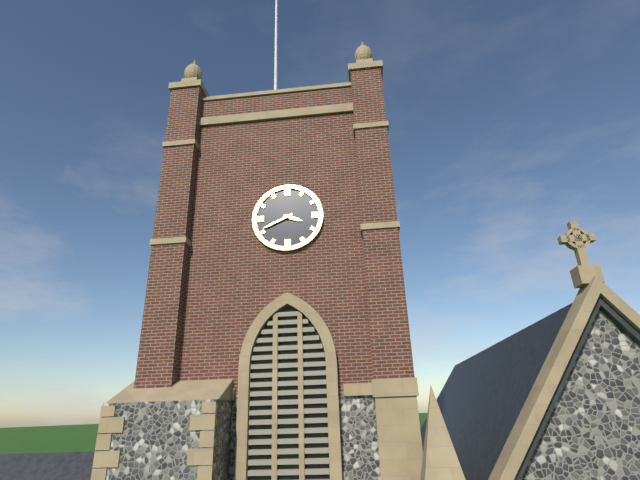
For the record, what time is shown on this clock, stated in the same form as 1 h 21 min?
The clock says 3 h 41 min
